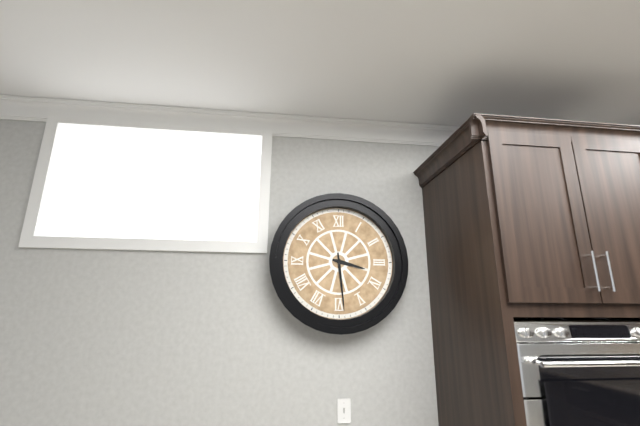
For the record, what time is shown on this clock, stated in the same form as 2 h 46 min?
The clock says 3 h 29 min
